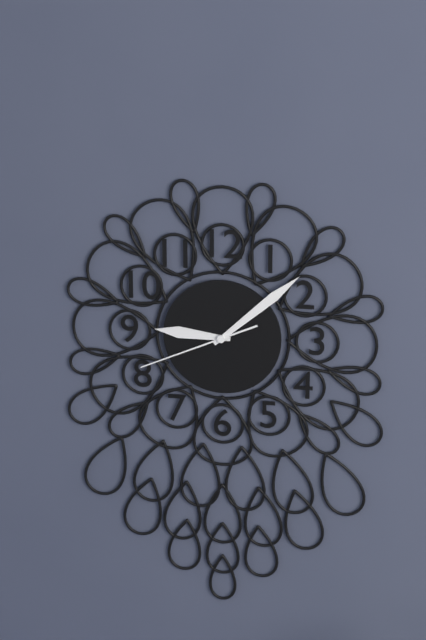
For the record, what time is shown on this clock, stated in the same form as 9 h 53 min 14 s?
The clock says 9 h 08 min 41 s
